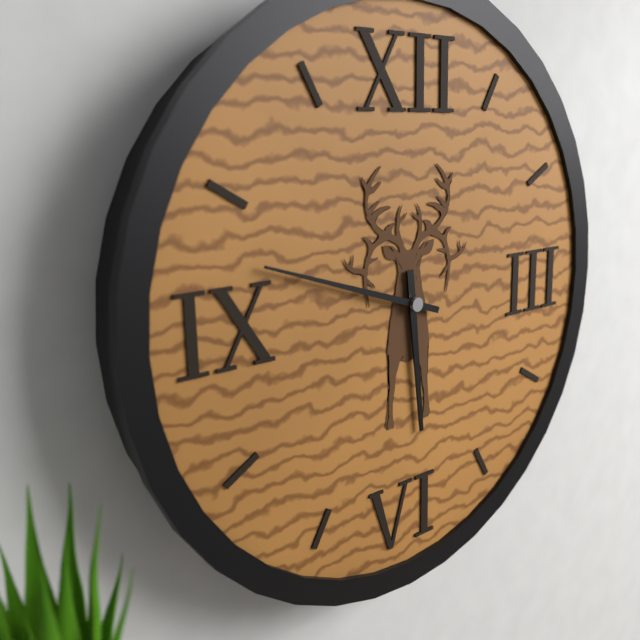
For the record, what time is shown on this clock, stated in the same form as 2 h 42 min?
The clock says 5 h 48 min
